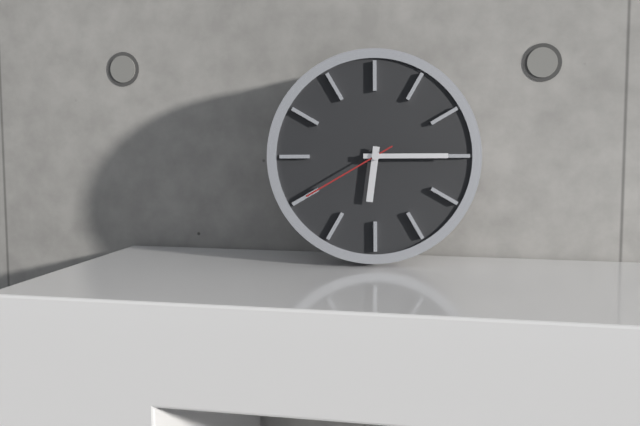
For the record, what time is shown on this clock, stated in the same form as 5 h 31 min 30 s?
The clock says 6 h 15 min 40 s
